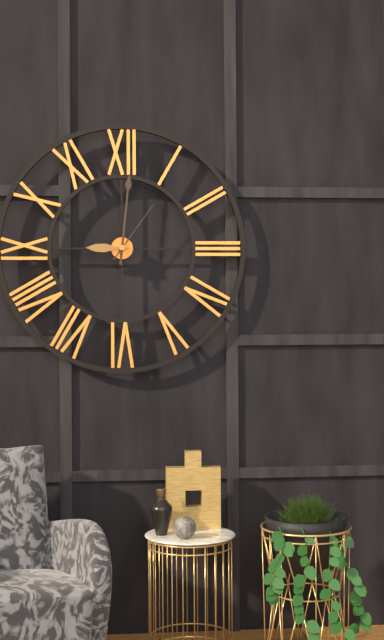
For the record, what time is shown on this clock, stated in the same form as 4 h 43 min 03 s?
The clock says 9 h 01 min 06 s
